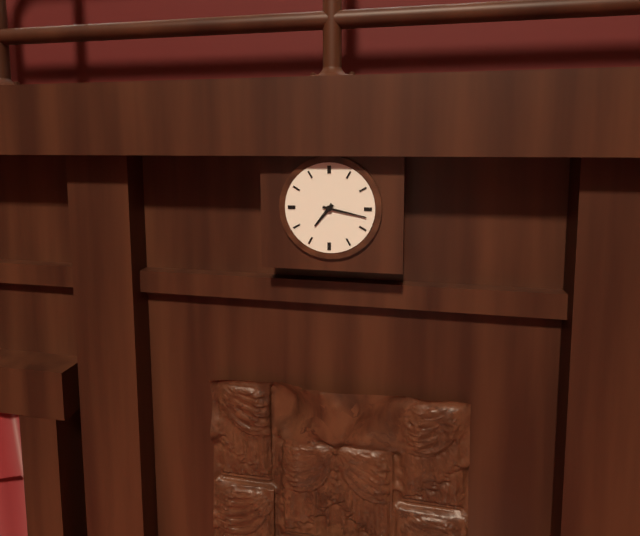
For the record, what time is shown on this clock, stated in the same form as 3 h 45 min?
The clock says 7 h 17 min
